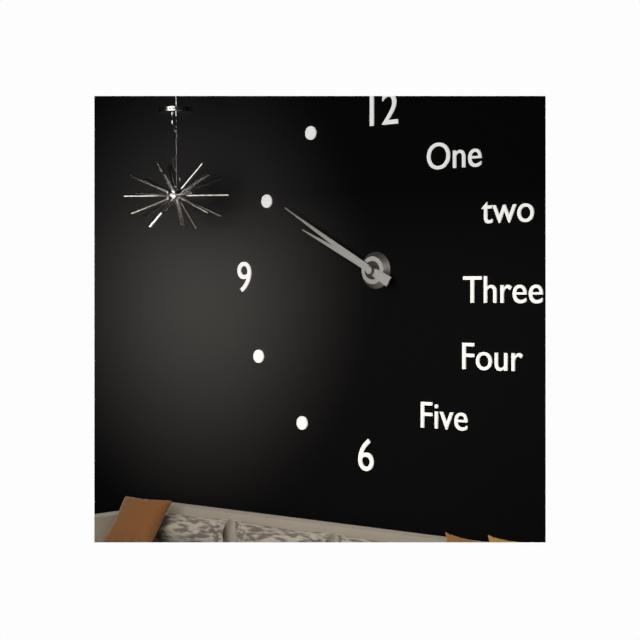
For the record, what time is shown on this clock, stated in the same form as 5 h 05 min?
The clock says 9 h 50 min
